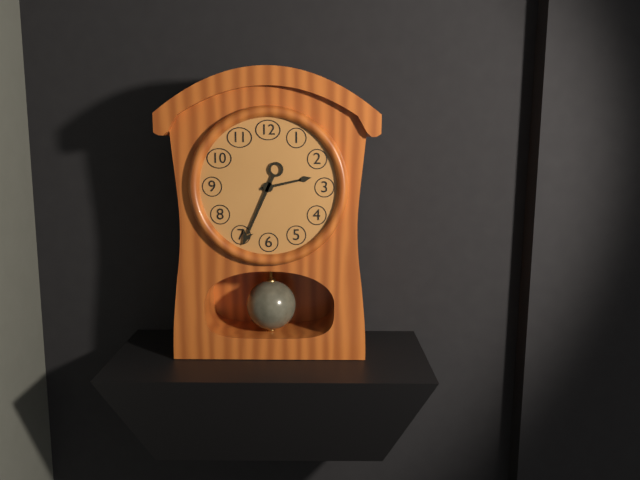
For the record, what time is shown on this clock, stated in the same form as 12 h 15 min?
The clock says 2 h 34 min
